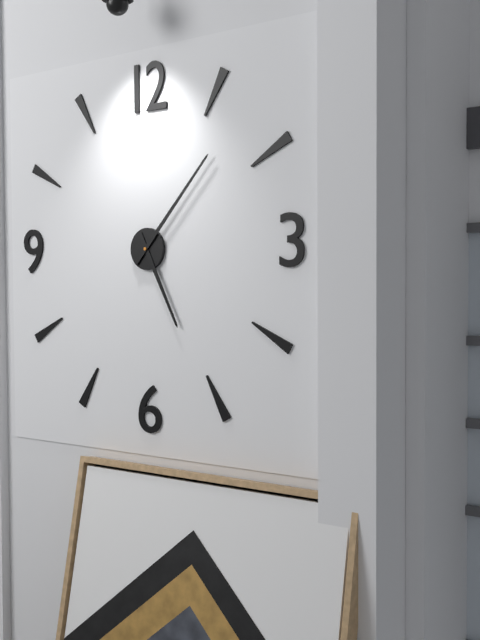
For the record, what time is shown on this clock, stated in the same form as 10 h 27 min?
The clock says 5 h 07 min
